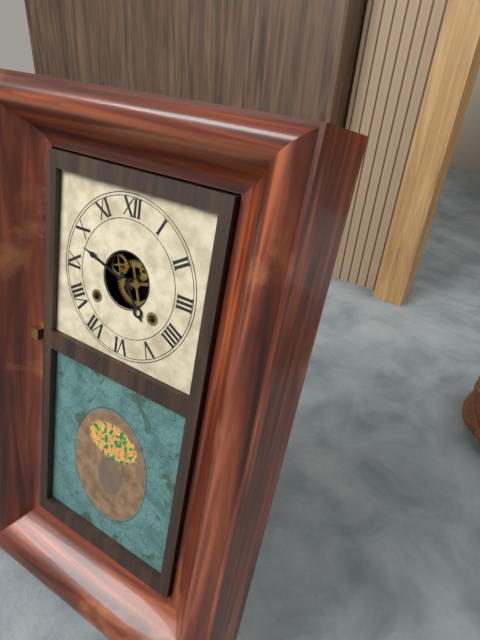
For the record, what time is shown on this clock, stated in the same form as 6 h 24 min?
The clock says 4 h 48 min
